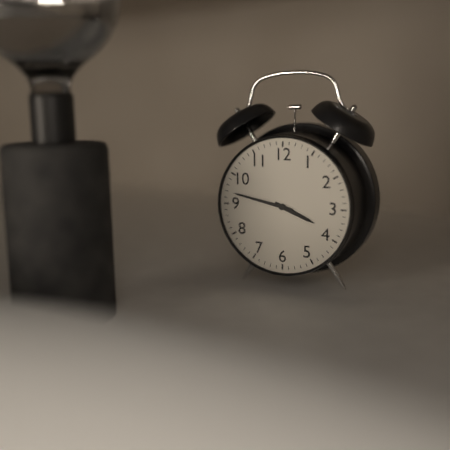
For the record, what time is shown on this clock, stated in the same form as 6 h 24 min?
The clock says 3 h 47 min
